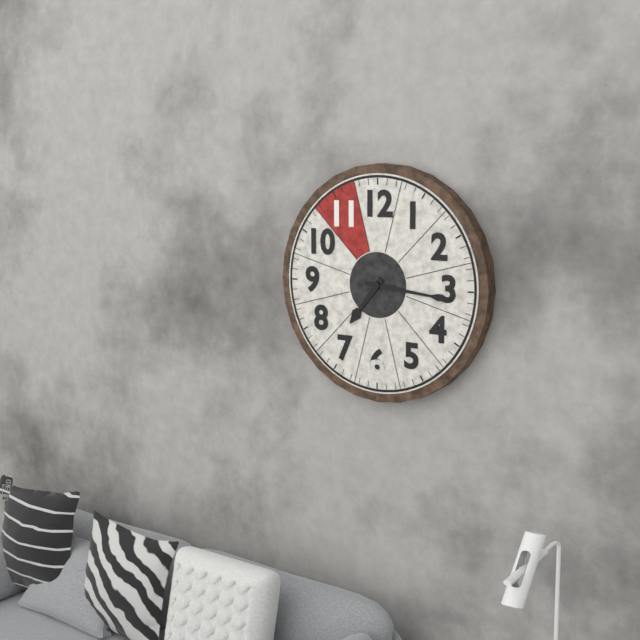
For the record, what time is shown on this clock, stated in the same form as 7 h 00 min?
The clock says 7 h 16 min
